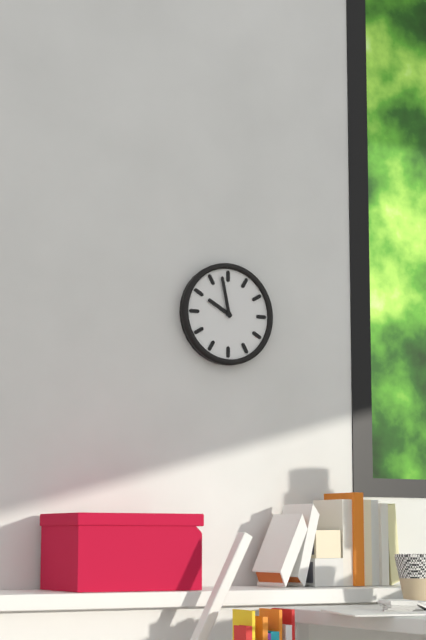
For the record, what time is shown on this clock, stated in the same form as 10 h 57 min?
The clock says 9 h 58 min
